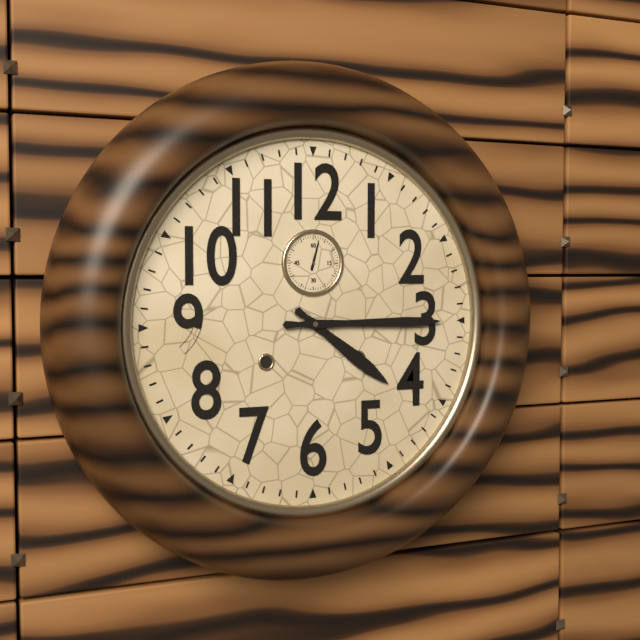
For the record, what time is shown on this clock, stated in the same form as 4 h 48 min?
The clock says 4 h 15 min
